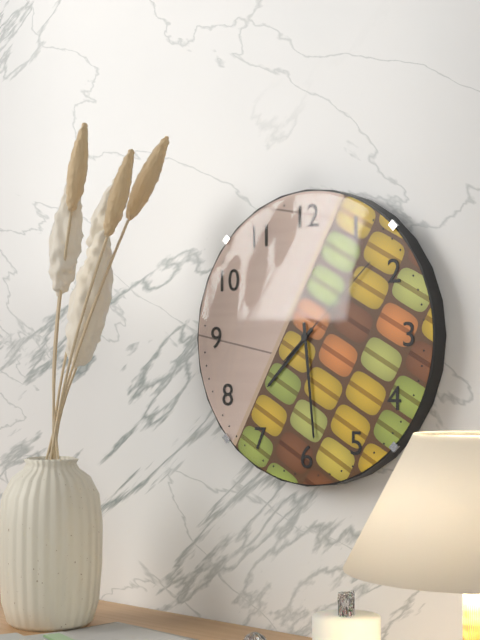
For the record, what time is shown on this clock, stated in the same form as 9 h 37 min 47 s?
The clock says 7 h 29 min 08 s
